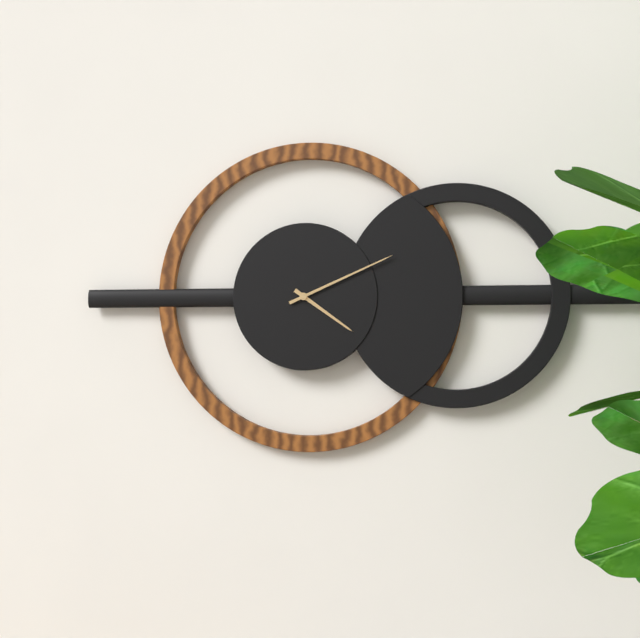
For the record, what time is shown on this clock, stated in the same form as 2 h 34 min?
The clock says 4 h 11 min
